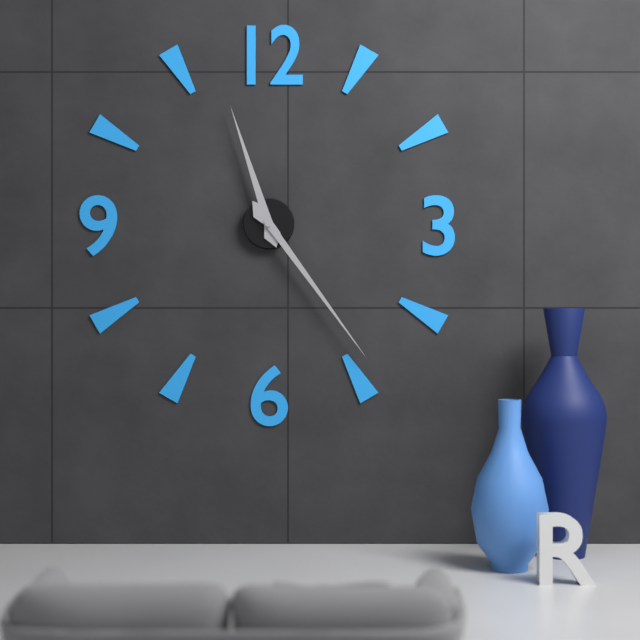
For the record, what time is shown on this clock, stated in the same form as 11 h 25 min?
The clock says 11 h 24 min
